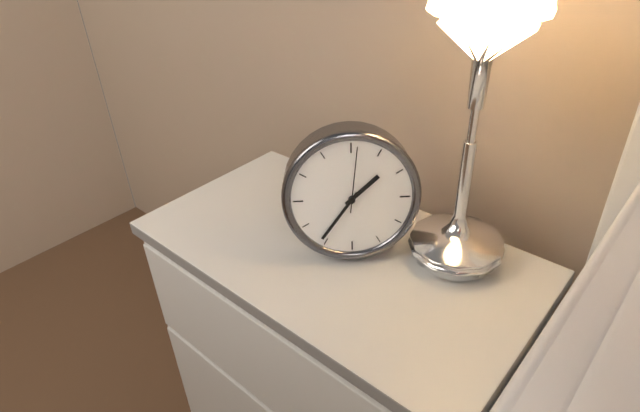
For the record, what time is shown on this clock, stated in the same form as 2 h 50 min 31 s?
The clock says 1 h 36 min 01 s
